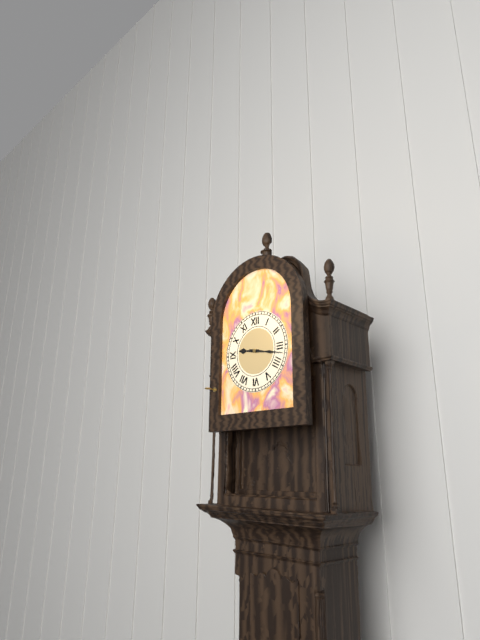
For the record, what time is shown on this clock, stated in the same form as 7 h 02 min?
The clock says 9 h 17 min
